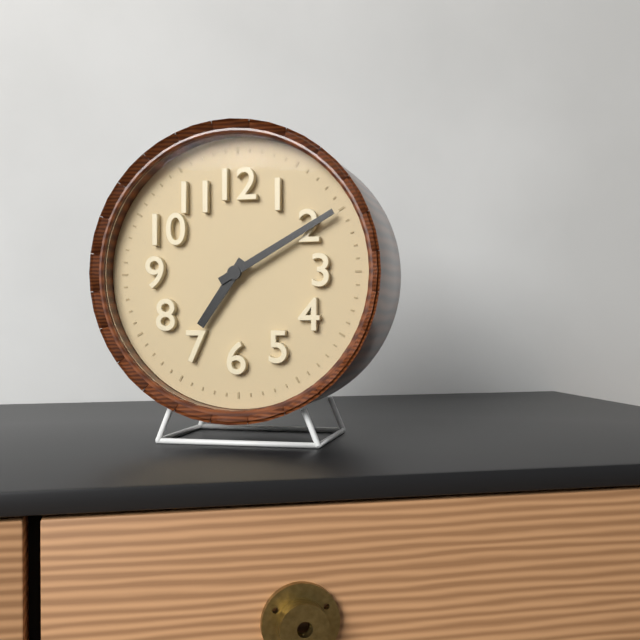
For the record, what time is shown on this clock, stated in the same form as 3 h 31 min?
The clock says 7 h 10 min
